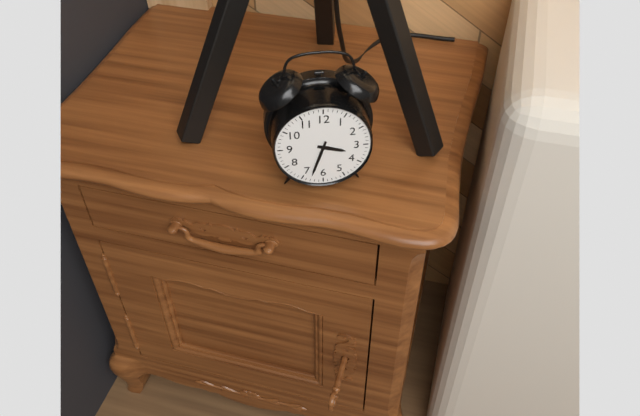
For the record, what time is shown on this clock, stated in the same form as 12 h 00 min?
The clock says 3 h 33 min
